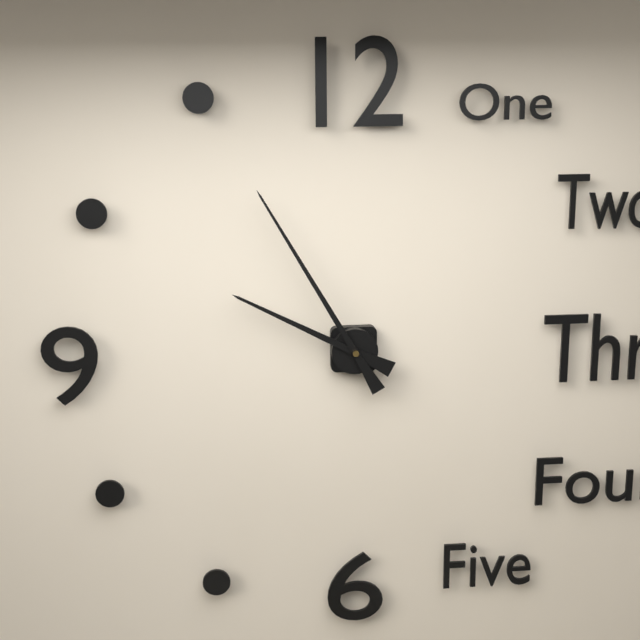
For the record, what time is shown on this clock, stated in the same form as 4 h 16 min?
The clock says 9 h 55 min
